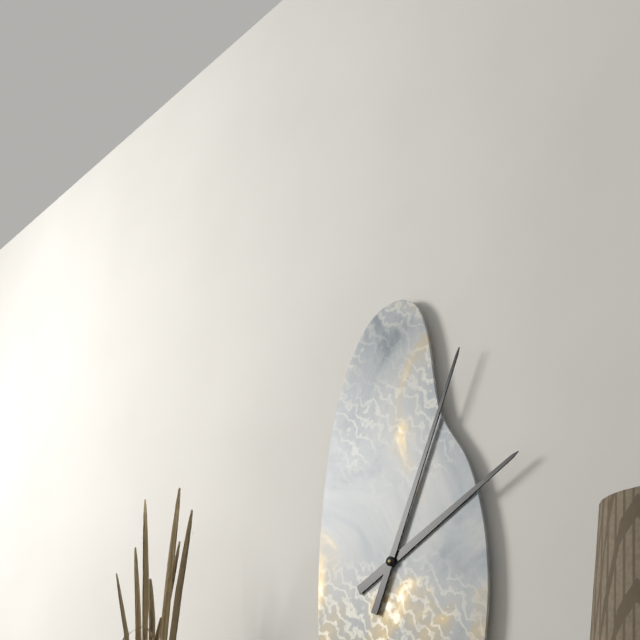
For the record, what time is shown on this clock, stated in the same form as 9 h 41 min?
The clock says 2 h 04 min
